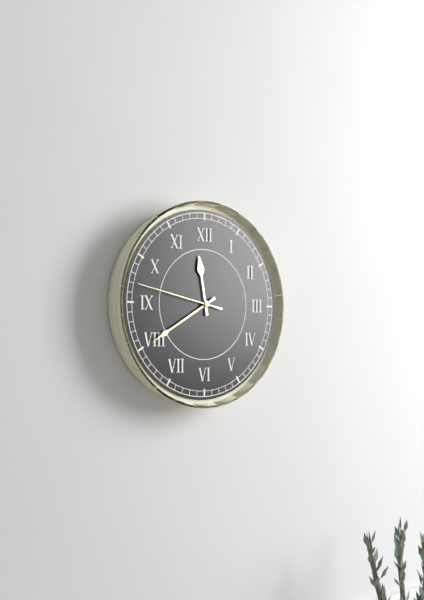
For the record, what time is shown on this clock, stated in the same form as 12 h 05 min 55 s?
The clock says 11 h 40 min 47 s
